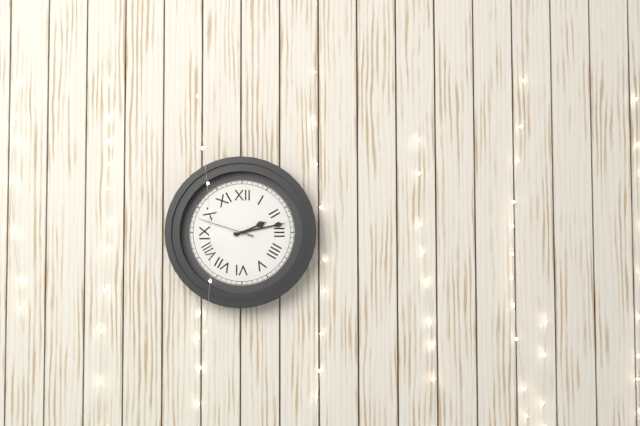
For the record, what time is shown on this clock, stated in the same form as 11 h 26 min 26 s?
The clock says 2 h 13 min 48 s
